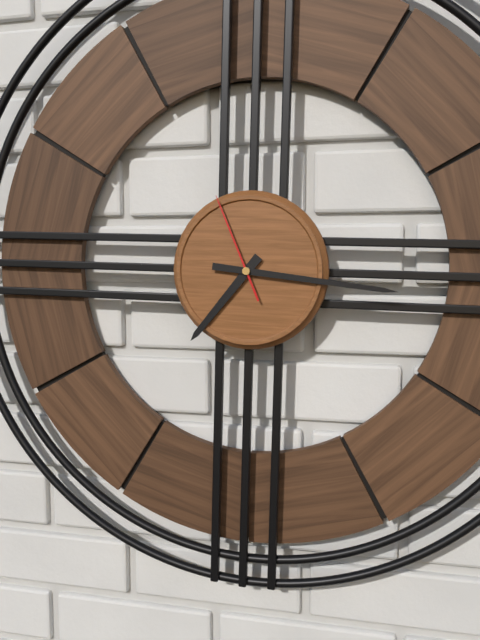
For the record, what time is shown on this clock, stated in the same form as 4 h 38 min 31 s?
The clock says 7 h 16 min 56 s
